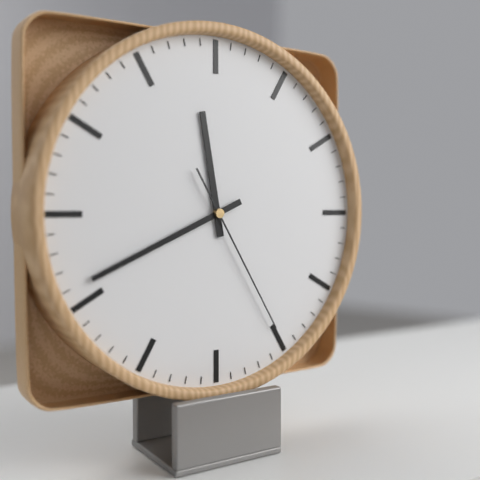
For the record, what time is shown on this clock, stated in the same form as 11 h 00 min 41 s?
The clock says 11 h 41 min 25 s
